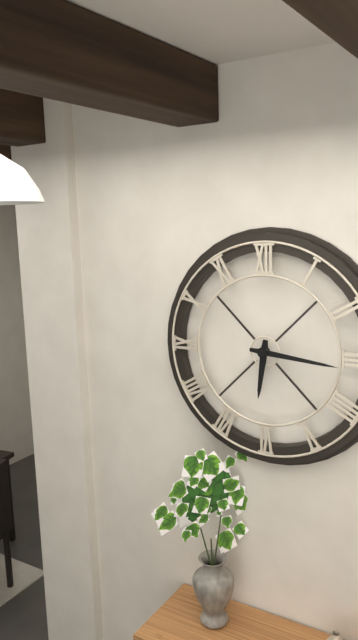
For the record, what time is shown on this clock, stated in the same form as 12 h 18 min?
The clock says 6 h 16 min
